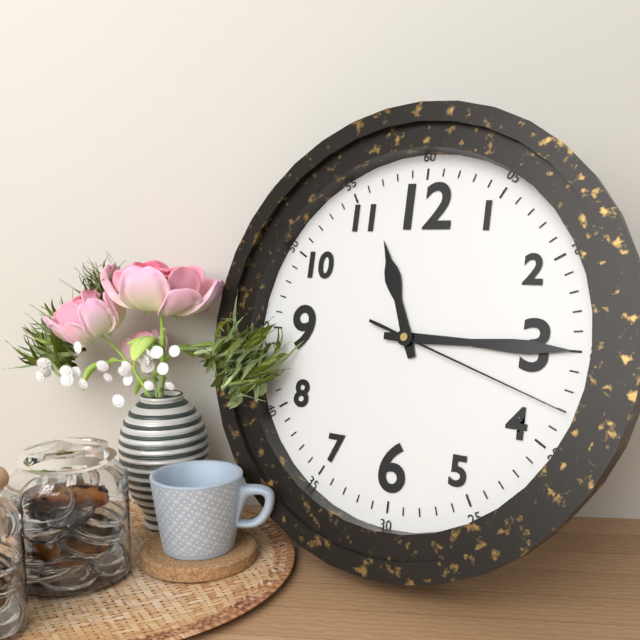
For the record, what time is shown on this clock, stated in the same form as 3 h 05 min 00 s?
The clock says 11 h 15 min 18 s
